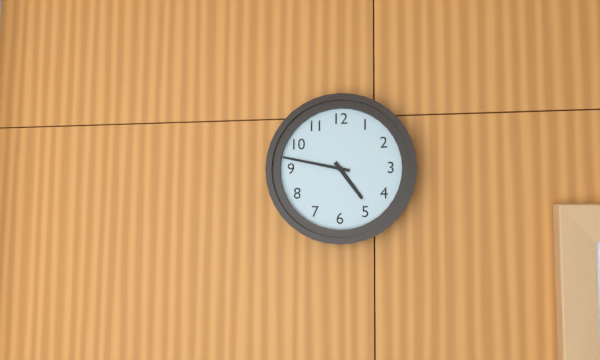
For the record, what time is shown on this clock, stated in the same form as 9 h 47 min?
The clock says 4 h 47 min
